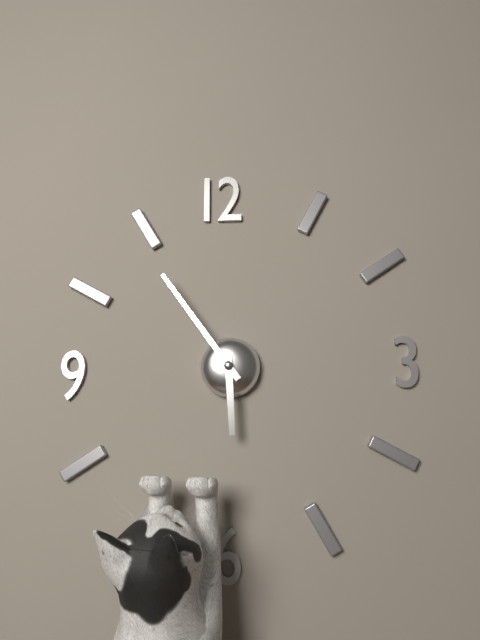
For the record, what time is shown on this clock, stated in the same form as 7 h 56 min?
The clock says 5 h 54 min
